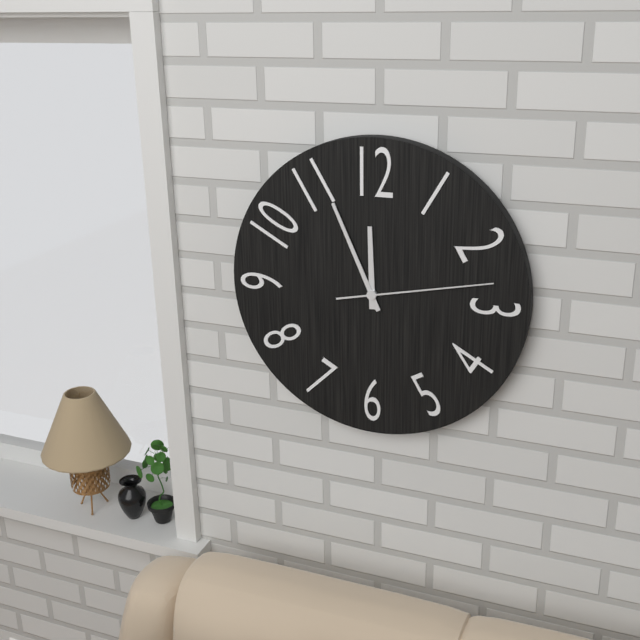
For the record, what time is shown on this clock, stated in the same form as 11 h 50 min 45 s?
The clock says 11 h 56 min 13 s
